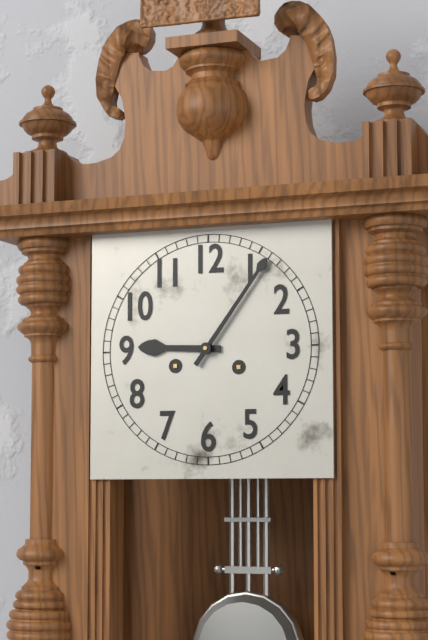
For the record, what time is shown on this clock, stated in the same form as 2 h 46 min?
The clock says 9 h 06 min
